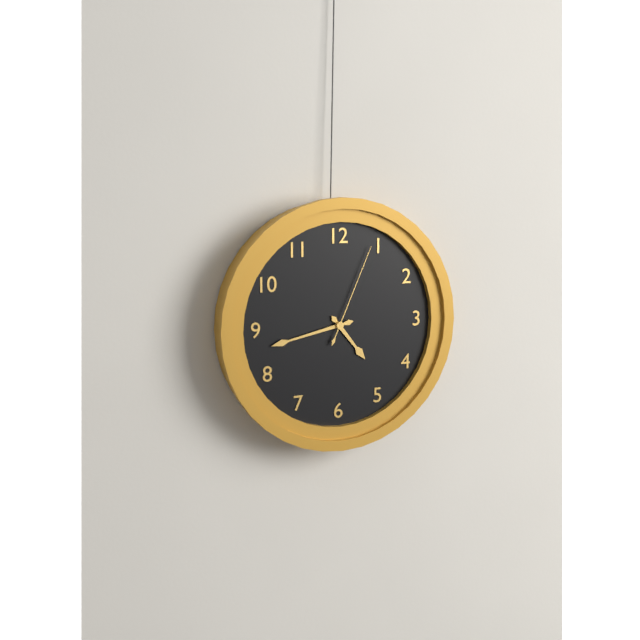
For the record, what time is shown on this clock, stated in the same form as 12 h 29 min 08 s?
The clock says 4 h 43 min 04 s
